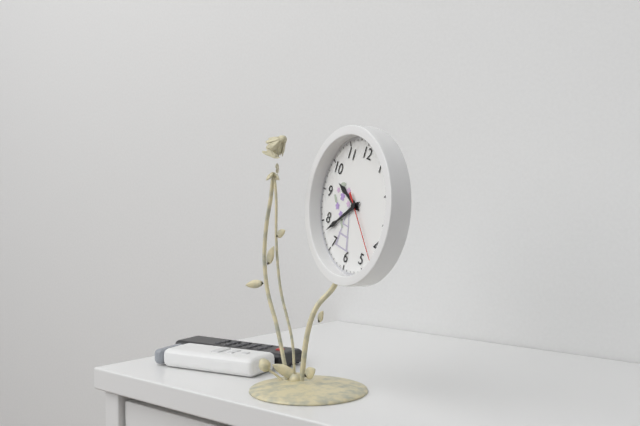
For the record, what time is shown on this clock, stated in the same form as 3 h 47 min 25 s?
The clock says 9 h 38 min 22 s
